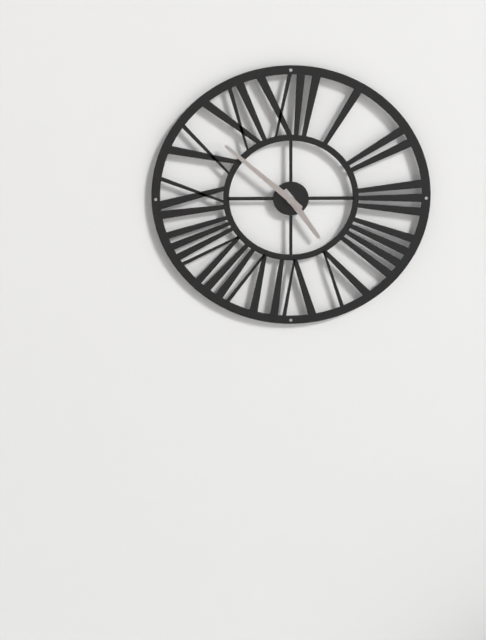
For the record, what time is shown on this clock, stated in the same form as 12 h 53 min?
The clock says 4 h 52 min
